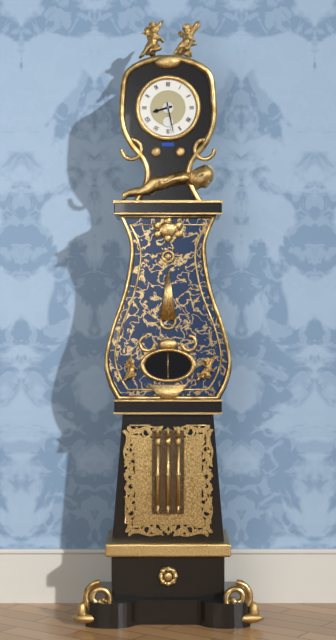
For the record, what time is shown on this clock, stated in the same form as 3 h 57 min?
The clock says 8 h 28 min
